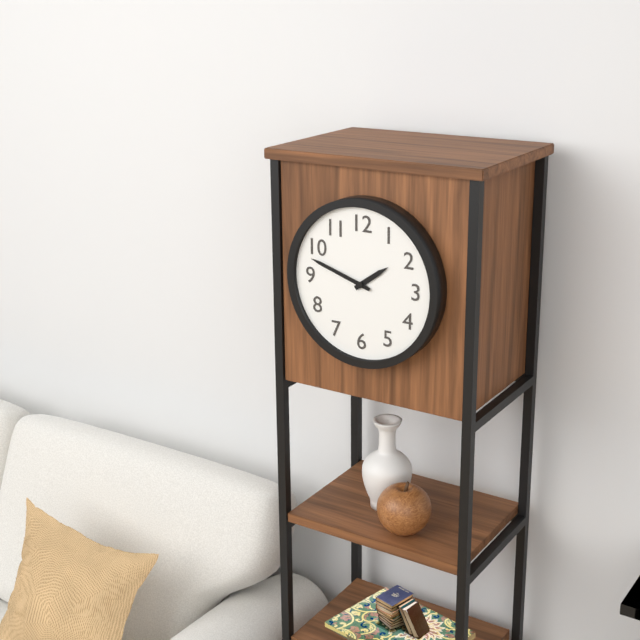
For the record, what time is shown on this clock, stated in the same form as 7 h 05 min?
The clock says 1 h 48 min
